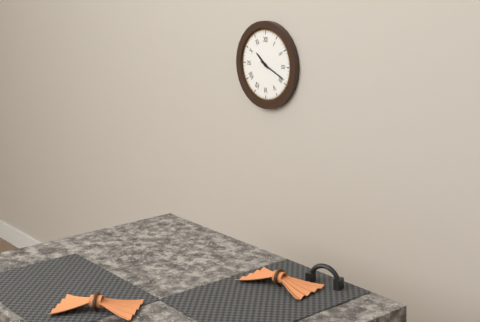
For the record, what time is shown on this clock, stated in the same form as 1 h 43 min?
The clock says 10 h 19 min
